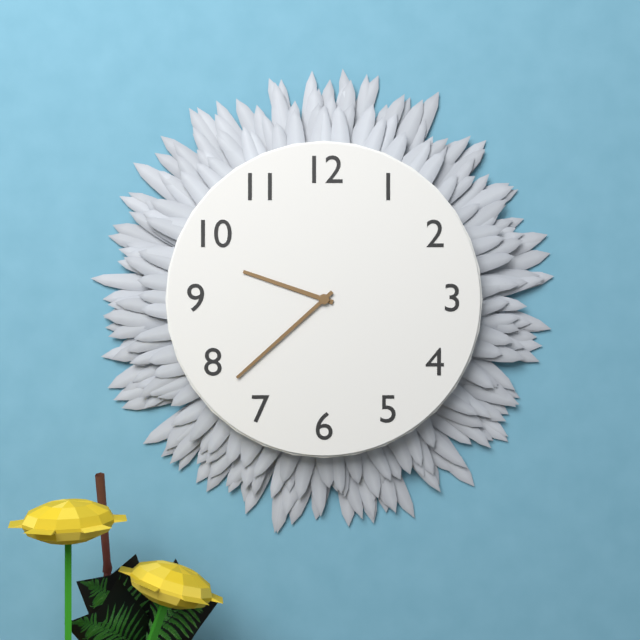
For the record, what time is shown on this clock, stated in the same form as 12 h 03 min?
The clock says 9 h 38 min
